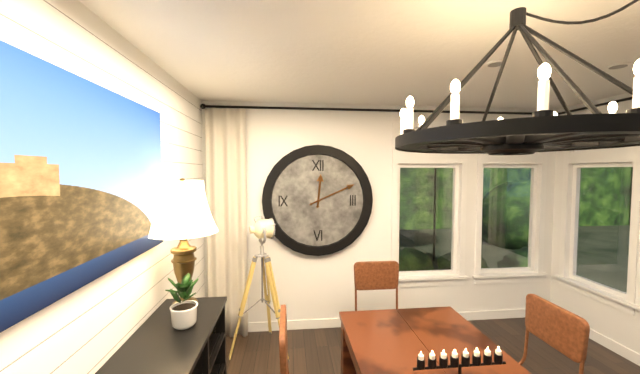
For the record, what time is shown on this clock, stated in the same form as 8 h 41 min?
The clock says 12 h 11 min
